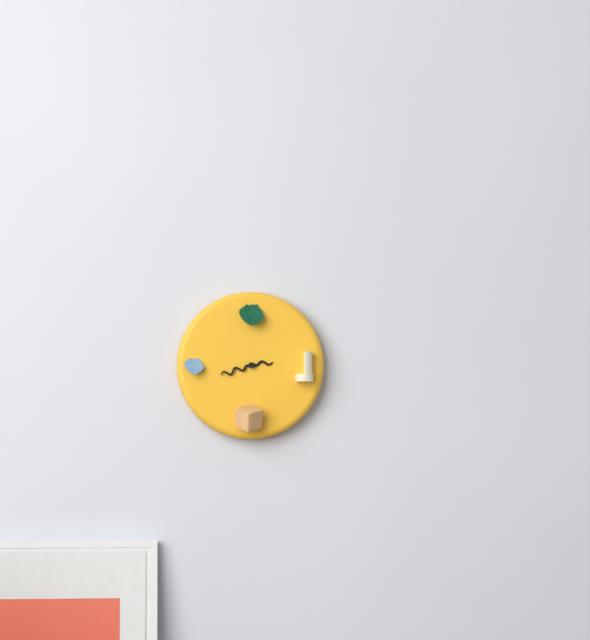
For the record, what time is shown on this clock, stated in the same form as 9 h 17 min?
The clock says 2 h 42 min
